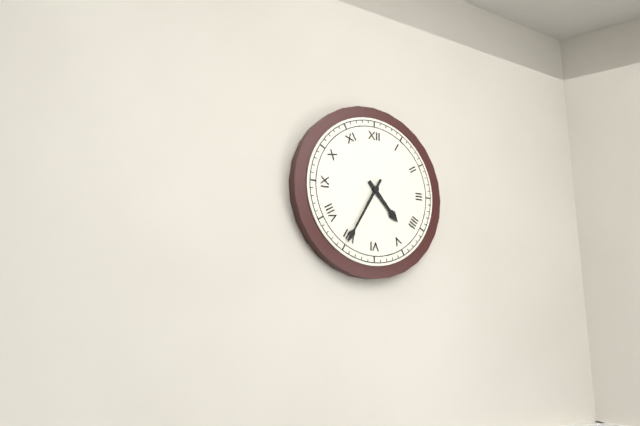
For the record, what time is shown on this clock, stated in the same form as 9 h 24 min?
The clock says 4 h 35 min
